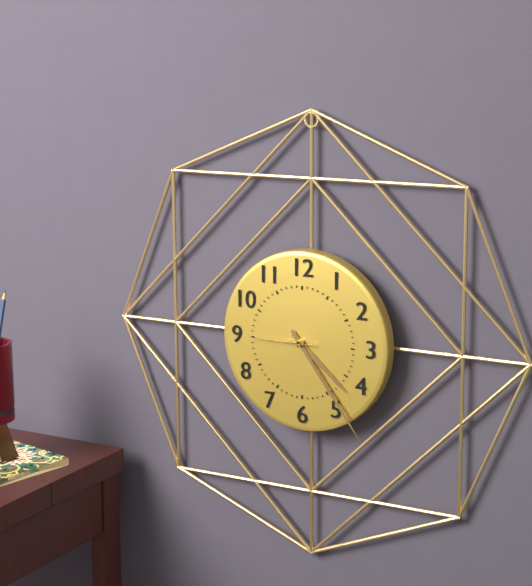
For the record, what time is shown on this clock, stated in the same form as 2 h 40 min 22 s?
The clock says 4 h 24 min 45 s
